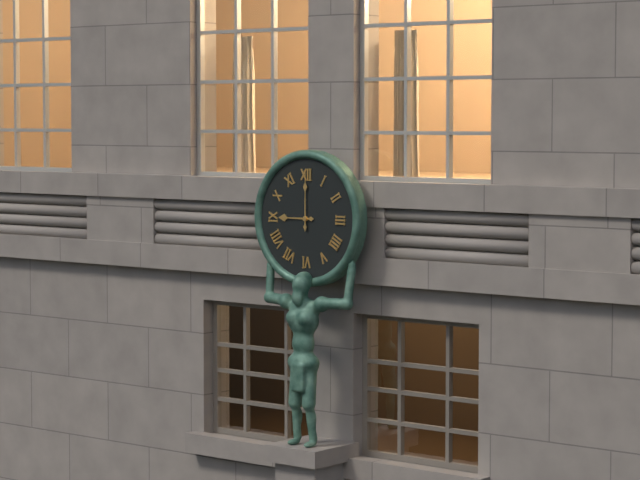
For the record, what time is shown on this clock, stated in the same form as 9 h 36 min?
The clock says 9 h 00 min
